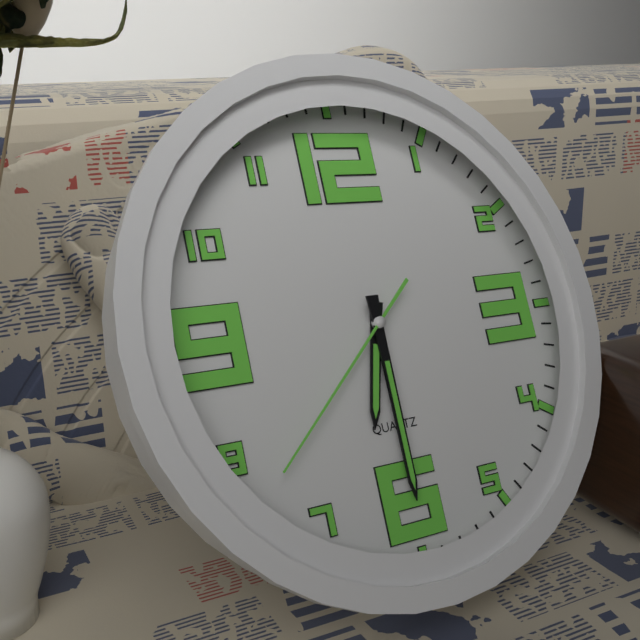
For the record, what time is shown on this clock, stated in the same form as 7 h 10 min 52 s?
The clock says 6 h 30 min 38 s
